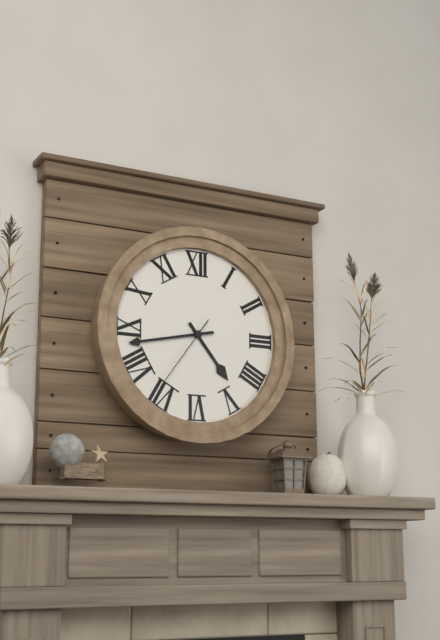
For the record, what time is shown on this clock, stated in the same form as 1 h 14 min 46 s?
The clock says 4 h 43 min 36 s
